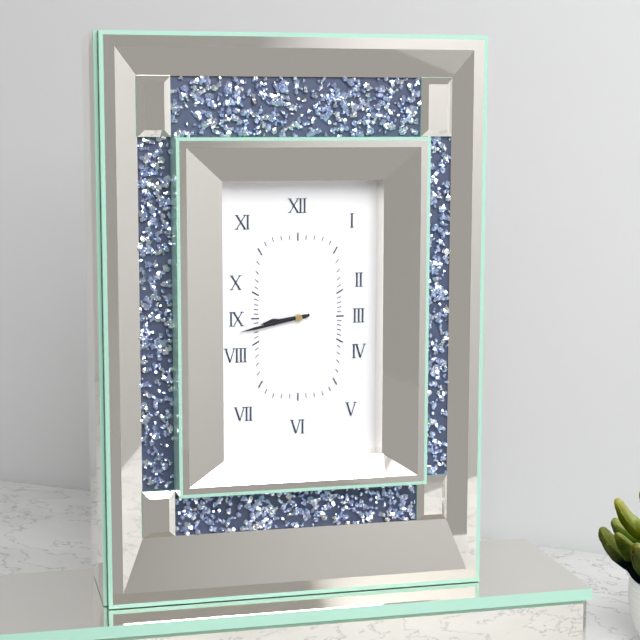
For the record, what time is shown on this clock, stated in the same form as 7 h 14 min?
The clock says 8 h 43 min
